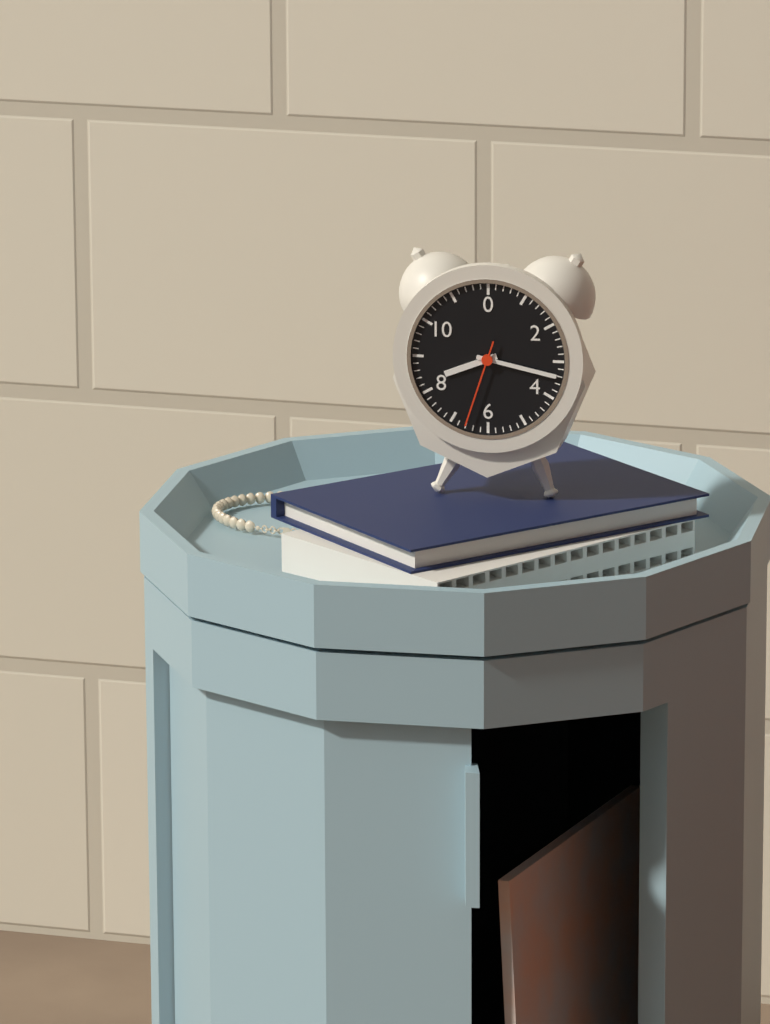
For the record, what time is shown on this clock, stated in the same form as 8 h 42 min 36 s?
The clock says 8 h 17 min 33 s
